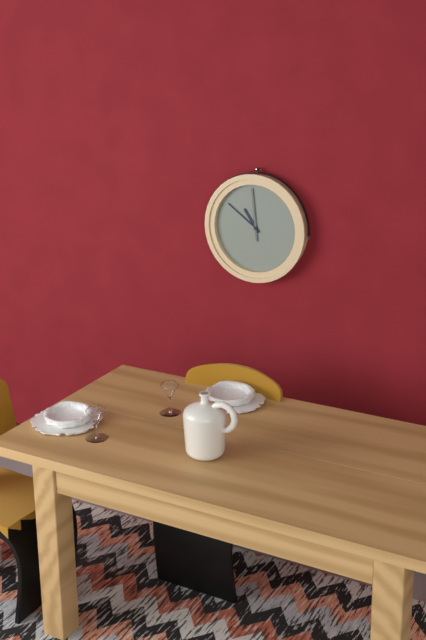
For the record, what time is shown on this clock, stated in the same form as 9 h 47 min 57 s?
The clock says 10 h 51 min 59 s
